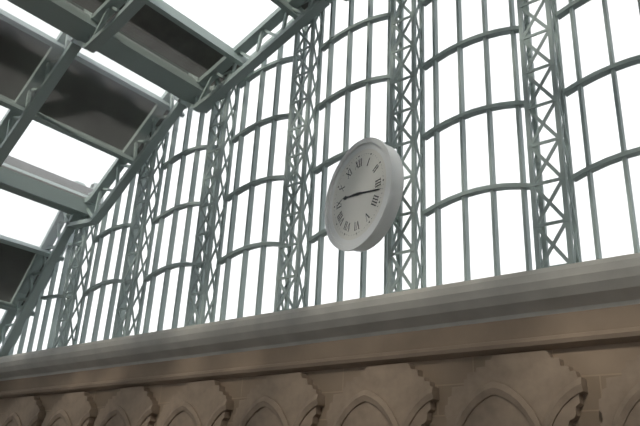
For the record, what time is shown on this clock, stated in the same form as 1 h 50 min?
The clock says 9 h 17 min
